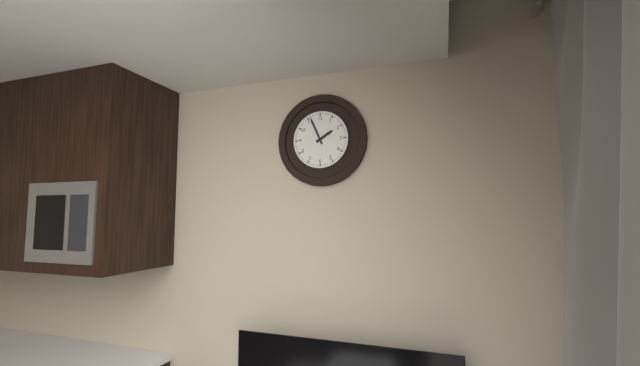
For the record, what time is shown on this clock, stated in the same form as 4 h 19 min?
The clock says 1 h 56 min
